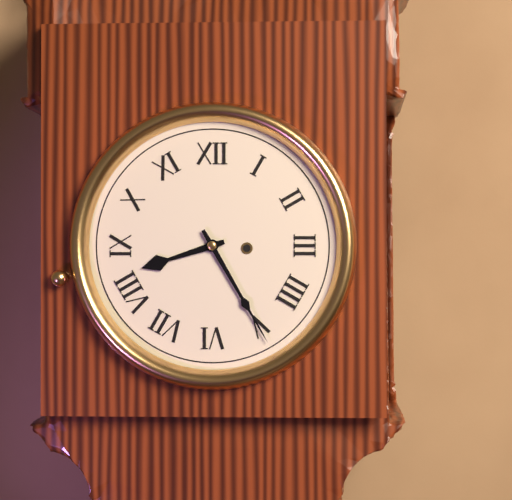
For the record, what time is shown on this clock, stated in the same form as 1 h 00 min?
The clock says 8 h 25 min
